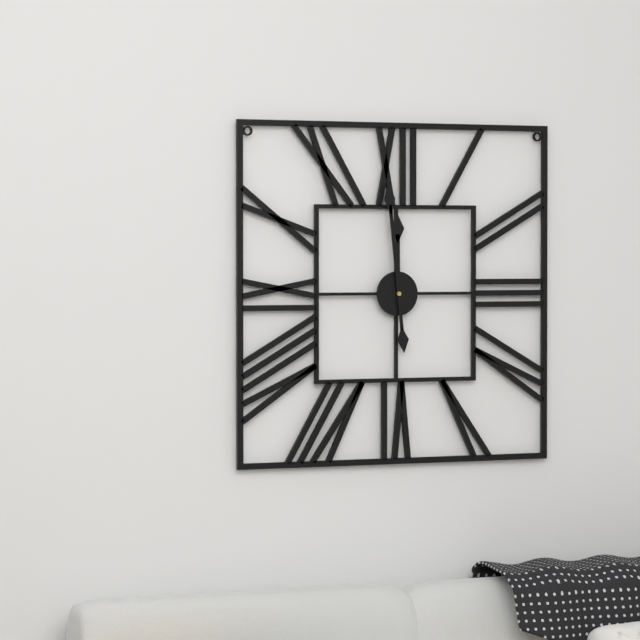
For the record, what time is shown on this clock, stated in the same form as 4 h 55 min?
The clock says 11 h 59 min
